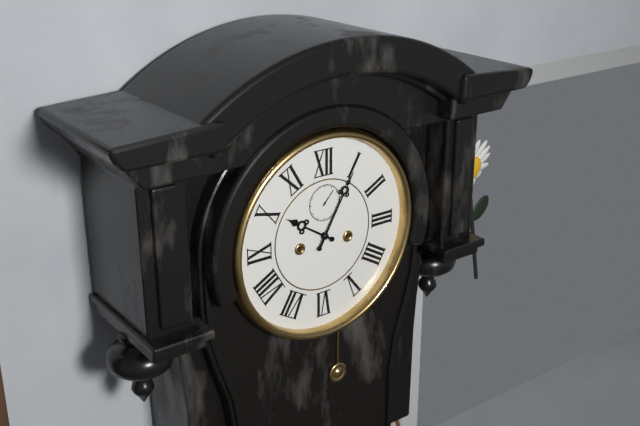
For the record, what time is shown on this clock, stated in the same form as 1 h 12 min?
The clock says 10 h 05 min
